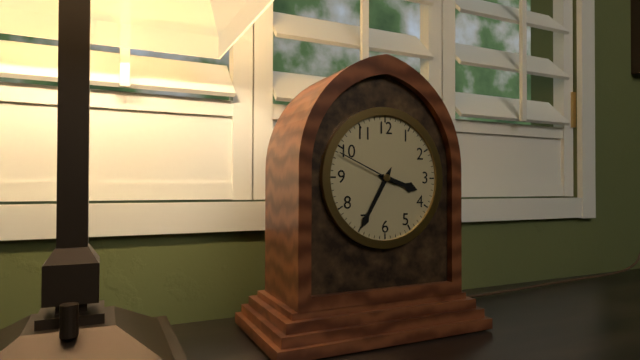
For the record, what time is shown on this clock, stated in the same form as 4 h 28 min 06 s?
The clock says 3 h 35 min 49 s
